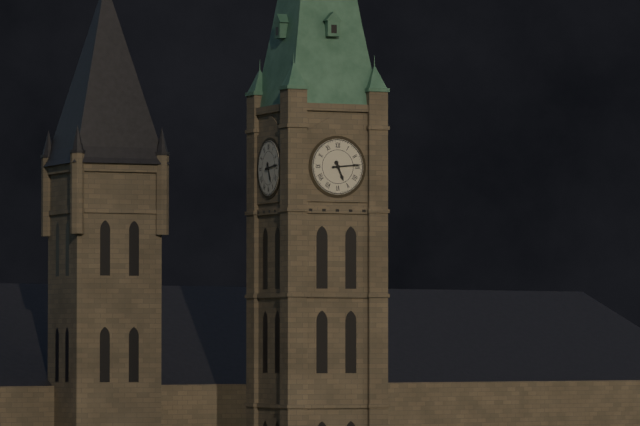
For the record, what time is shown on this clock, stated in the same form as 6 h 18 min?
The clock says 5 h 14 min
